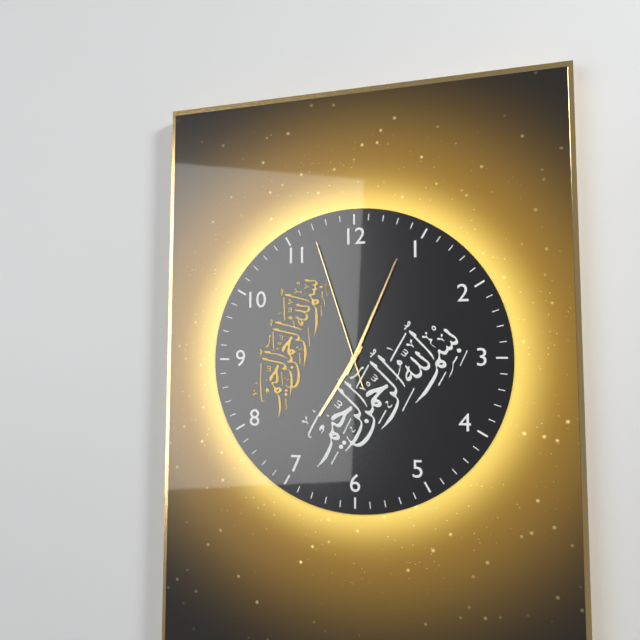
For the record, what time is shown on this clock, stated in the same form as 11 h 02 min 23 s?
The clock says 7 h 04 min 57 s
